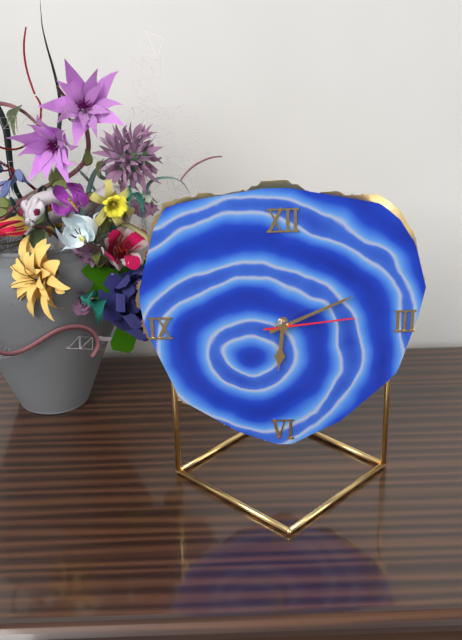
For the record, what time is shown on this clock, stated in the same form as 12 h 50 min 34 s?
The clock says 6 h 11 min 14 s
